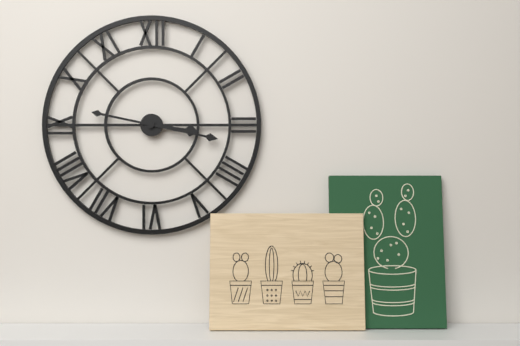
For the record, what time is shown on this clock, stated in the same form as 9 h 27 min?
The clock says 3 h 17 min
